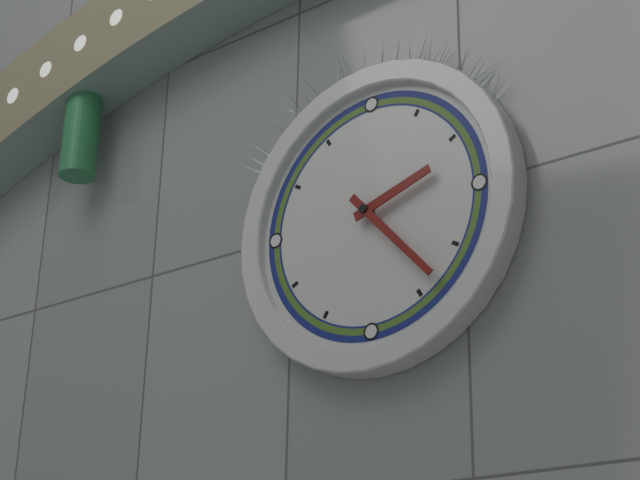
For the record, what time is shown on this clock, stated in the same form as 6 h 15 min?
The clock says 2 h 23 min
